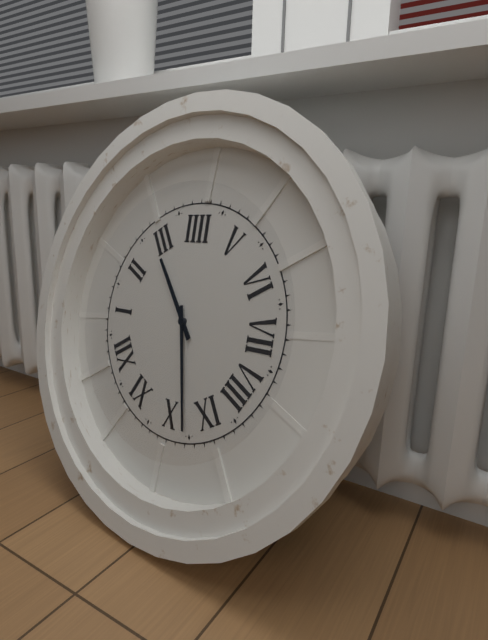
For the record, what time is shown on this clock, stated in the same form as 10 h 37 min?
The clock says 2 h 48 min
